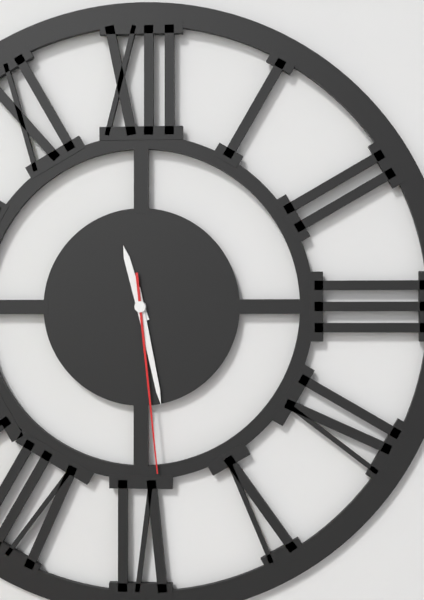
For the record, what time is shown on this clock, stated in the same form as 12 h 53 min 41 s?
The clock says 11 h 28 min 29 s
